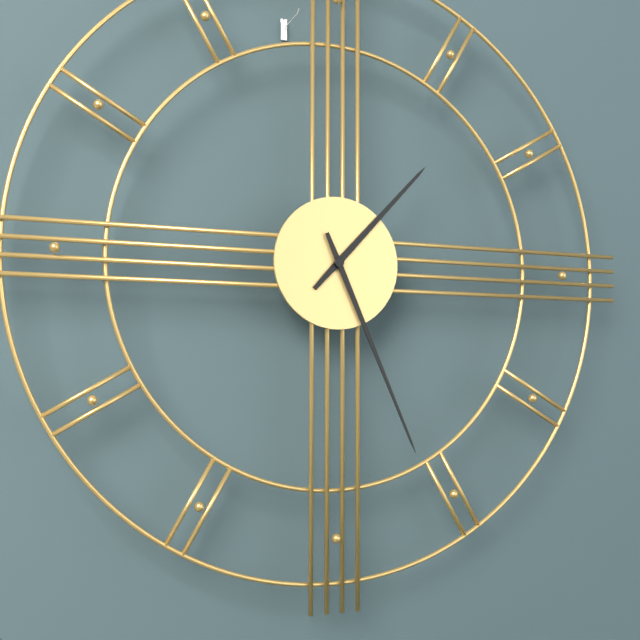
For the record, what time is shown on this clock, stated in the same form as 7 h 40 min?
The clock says 1 h 26 min
